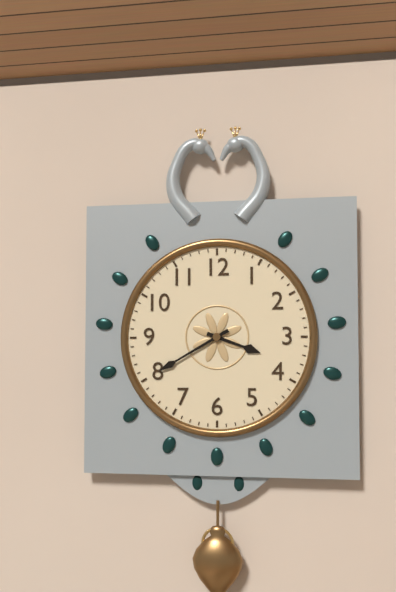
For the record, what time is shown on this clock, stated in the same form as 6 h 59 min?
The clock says 3 h 40 min
